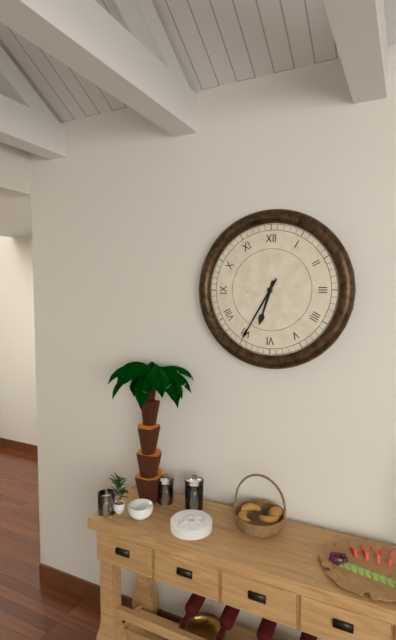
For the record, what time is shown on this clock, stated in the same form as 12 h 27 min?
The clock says 6 h 35 min
